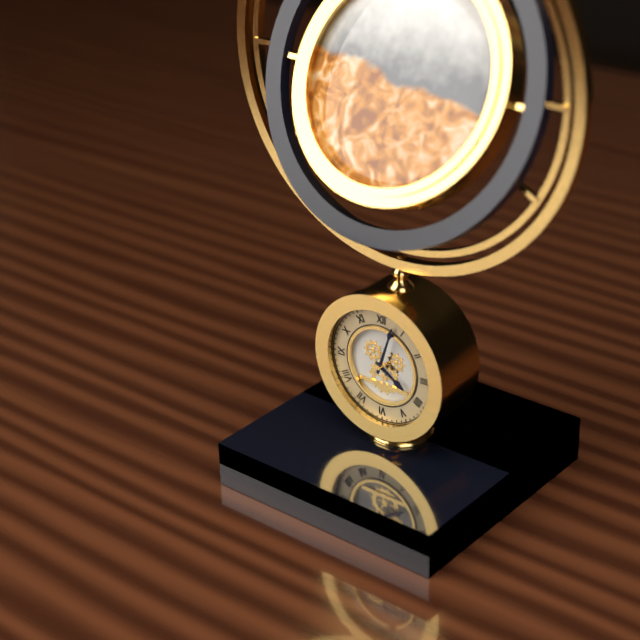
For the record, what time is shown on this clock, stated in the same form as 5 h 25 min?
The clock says 4 h 03 min
